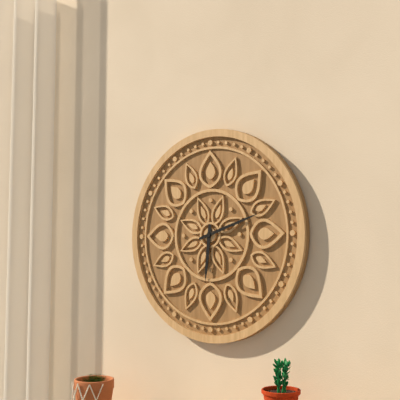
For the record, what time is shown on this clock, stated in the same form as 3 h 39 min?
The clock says 6 h 12 min
